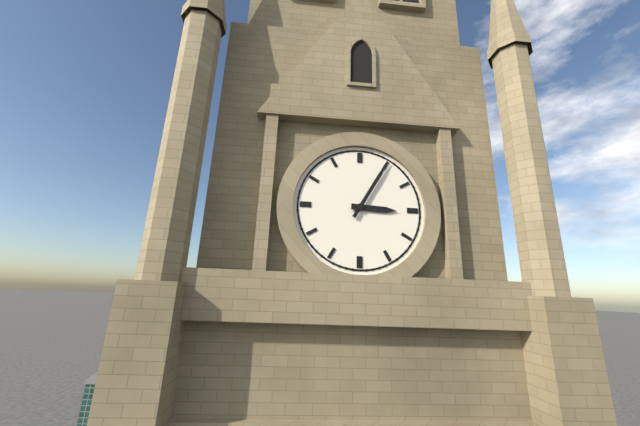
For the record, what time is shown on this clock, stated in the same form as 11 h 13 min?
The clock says 3 h 05 min
